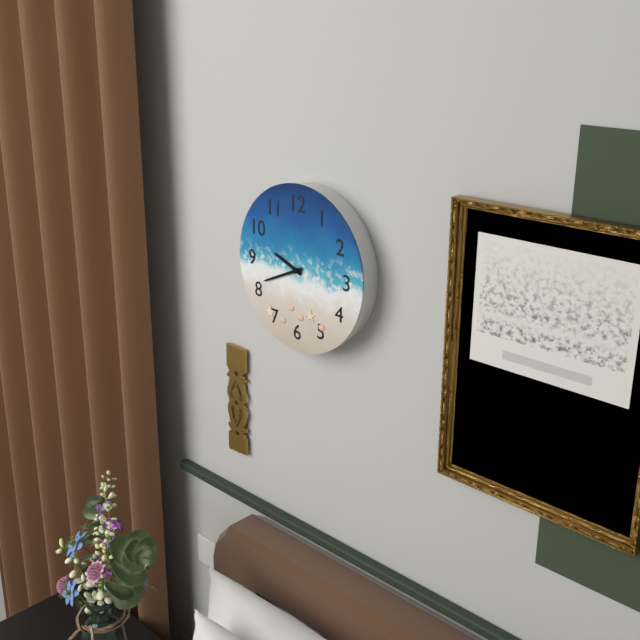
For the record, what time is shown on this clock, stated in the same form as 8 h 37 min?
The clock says 9 h 41 min
